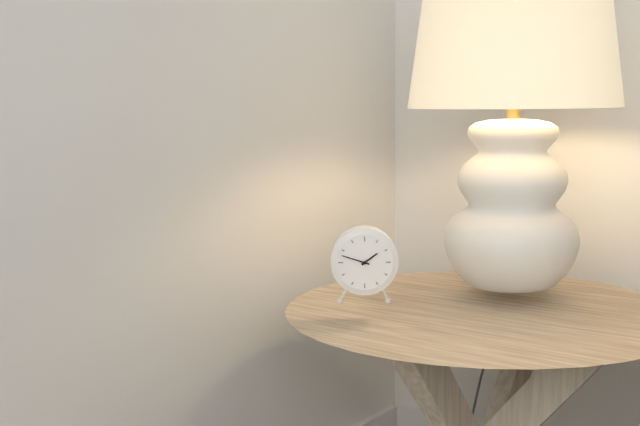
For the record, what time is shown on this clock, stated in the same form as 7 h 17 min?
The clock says 1 h 48 min
